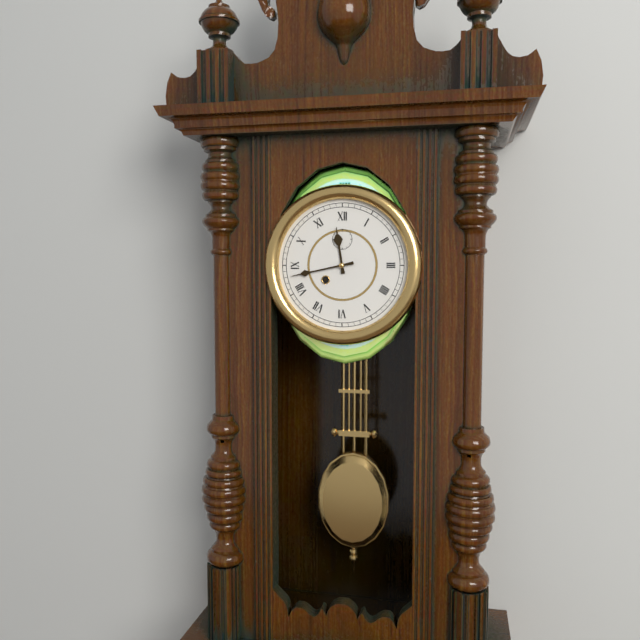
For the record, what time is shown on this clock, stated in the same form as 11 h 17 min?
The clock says 11 h 43 min
